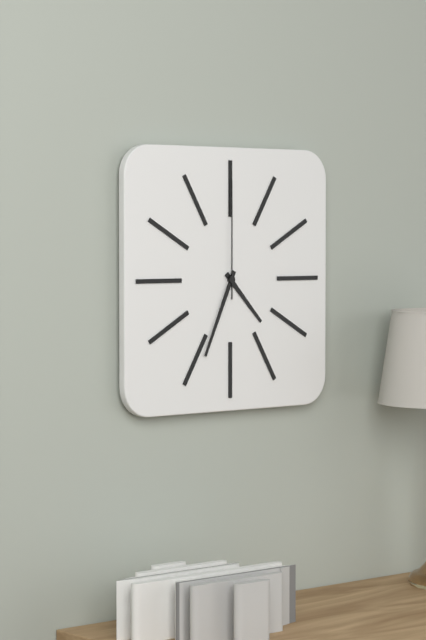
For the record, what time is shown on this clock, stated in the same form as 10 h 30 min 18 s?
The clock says 4 h 34 min 00 s
